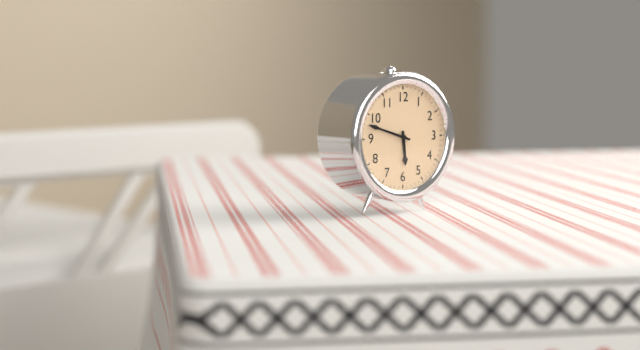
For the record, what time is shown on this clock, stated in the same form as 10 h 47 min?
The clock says 5 h 48 min
